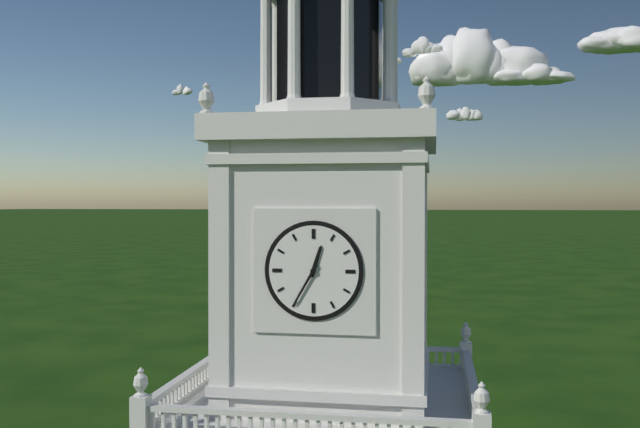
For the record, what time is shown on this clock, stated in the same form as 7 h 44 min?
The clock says 12 h 35 min
